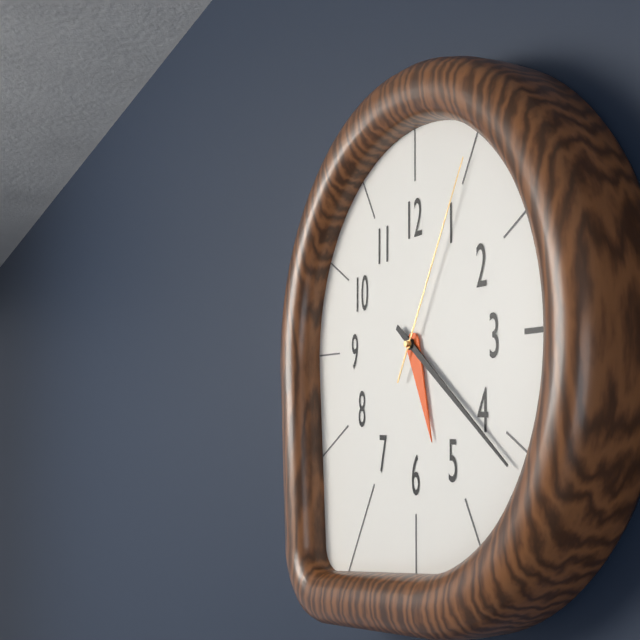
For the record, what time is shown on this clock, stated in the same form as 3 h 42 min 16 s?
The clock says 5 h 21 min 05 s
